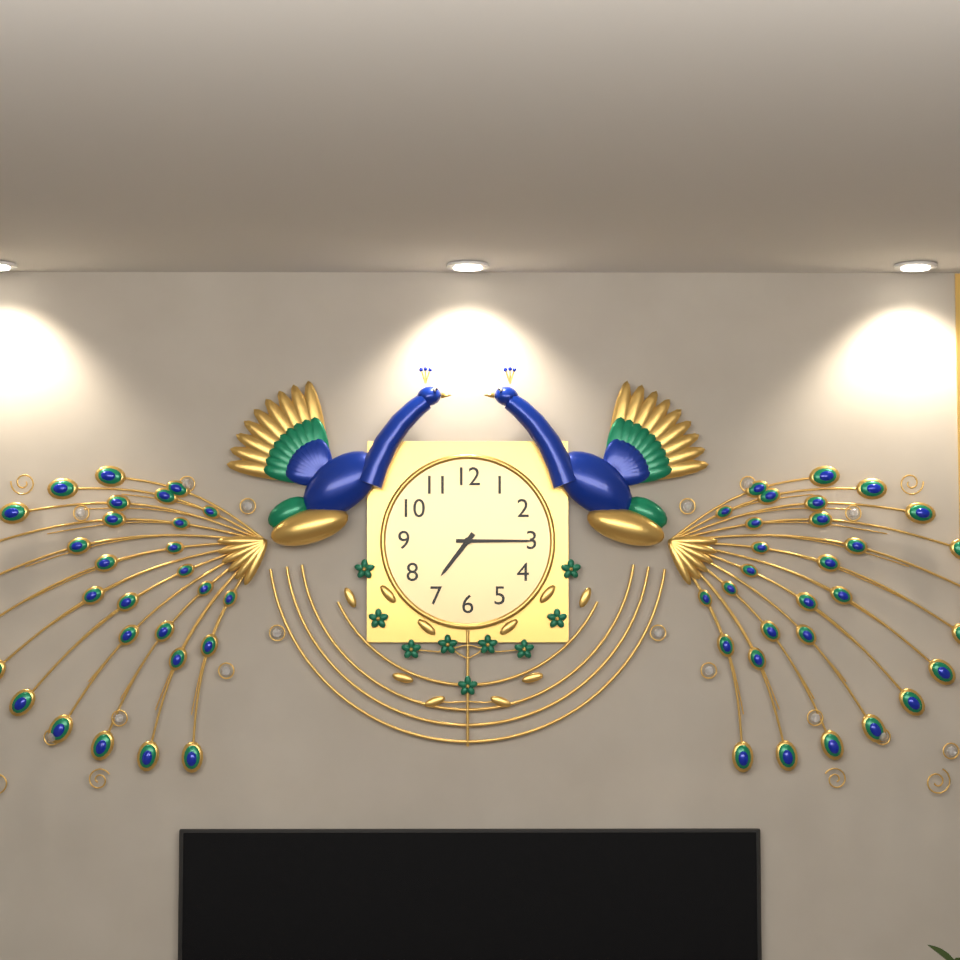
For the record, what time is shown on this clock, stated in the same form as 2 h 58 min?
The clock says 7 h 15 min
